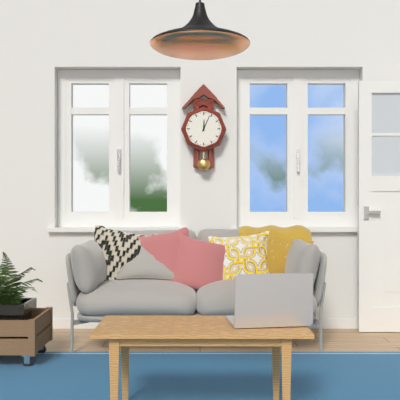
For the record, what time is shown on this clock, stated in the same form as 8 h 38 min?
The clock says 12 h 04 min
